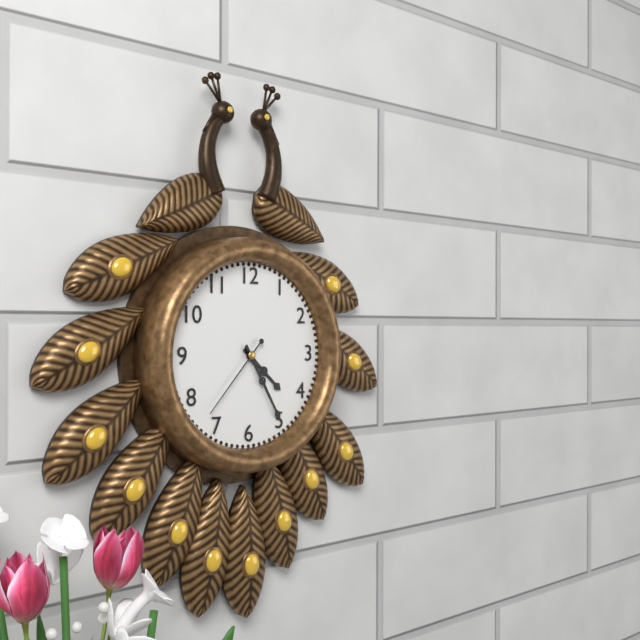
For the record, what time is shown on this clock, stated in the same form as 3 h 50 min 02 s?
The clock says 4 h 25 min 37 s
